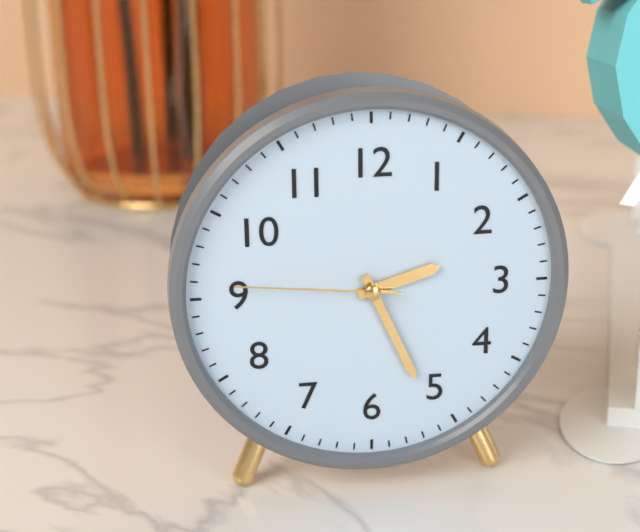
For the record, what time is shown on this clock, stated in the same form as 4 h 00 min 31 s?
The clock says 2 h 26 min 46 s
